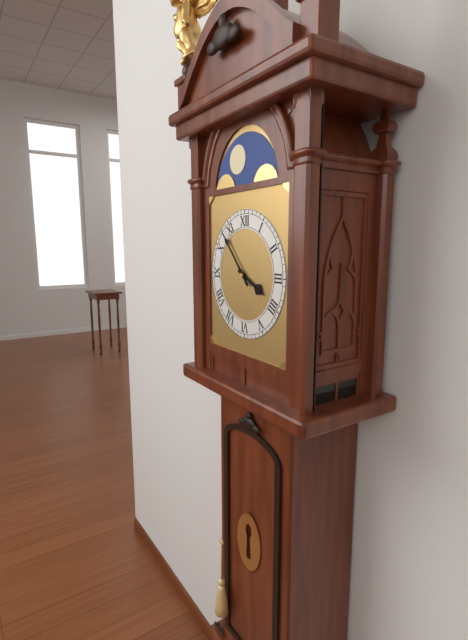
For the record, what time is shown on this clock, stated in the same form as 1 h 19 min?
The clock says 3 h 53 min
